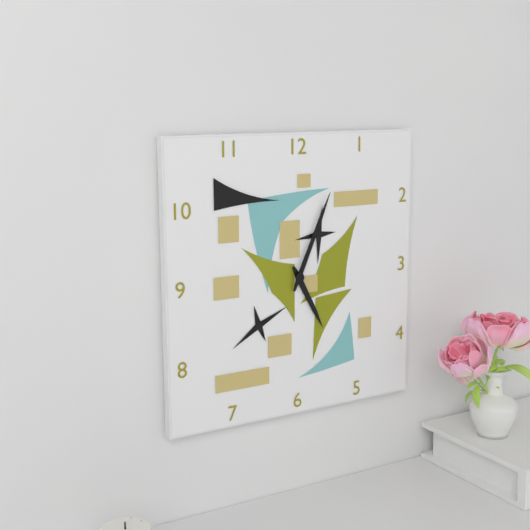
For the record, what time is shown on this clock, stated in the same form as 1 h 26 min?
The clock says 5 h 04 min
